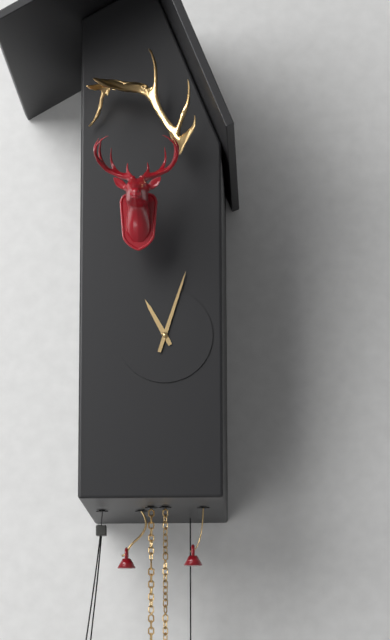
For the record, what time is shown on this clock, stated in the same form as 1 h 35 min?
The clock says 11 h 03 min
